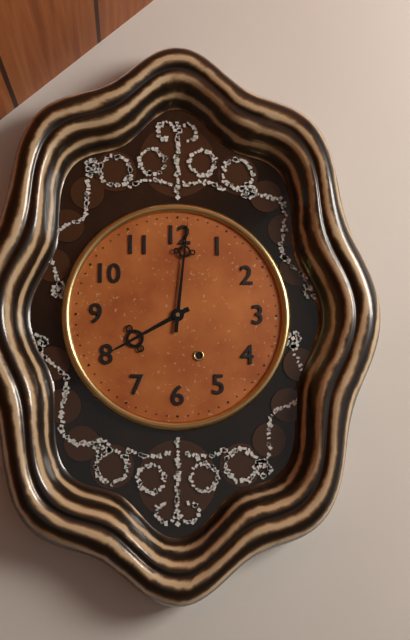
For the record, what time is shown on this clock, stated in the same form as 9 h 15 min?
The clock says 8 h 01 min
